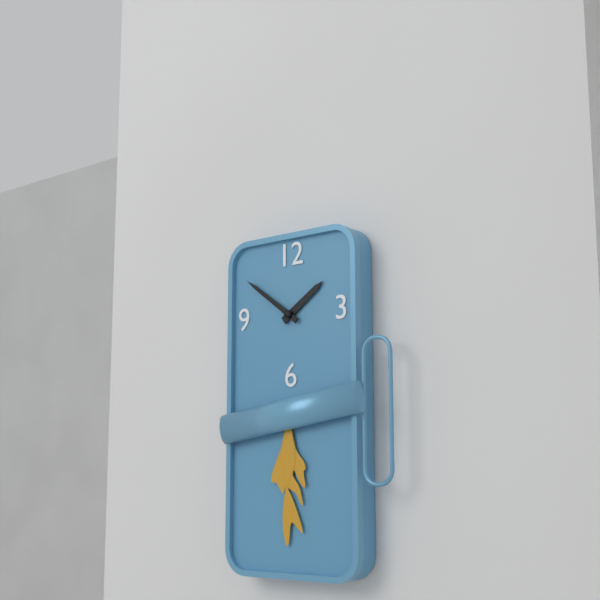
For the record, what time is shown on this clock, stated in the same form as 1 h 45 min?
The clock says 1 h 51 min
